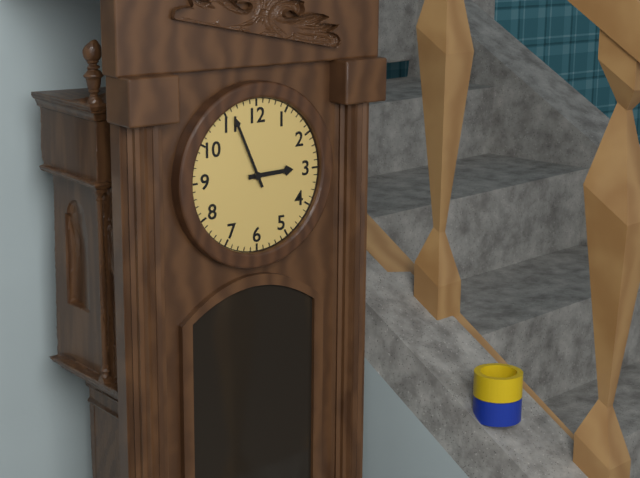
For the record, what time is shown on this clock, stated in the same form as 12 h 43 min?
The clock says 2 h 56 min
